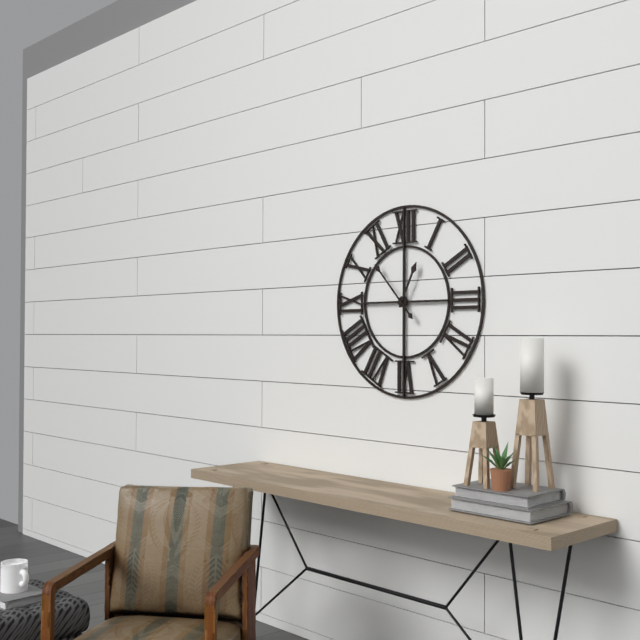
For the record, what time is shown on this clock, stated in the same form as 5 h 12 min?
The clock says 12 h 53 min
